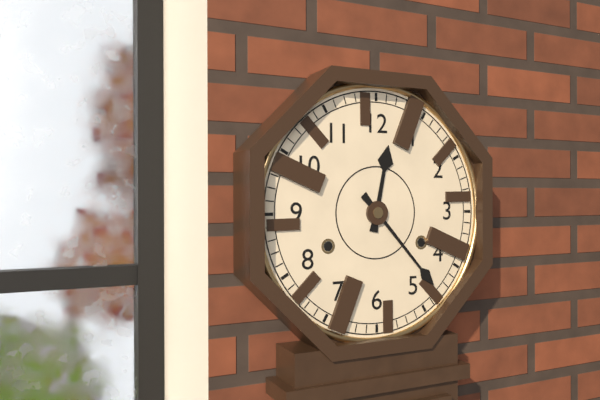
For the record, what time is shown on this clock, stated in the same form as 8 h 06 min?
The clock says 12 h 23 min
